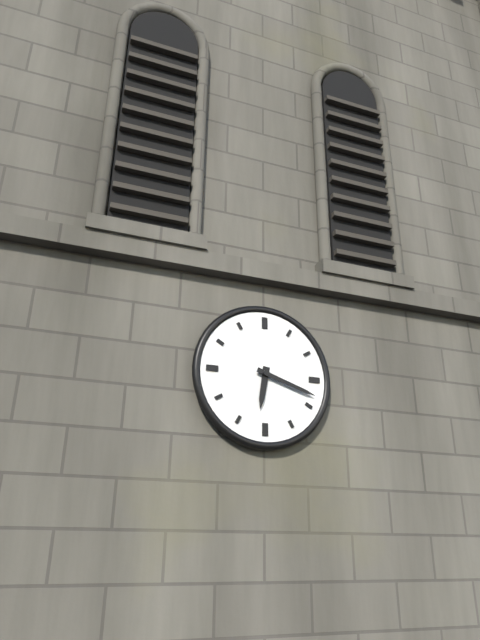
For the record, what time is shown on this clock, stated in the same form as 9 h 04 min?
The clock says 6 h 18 min
